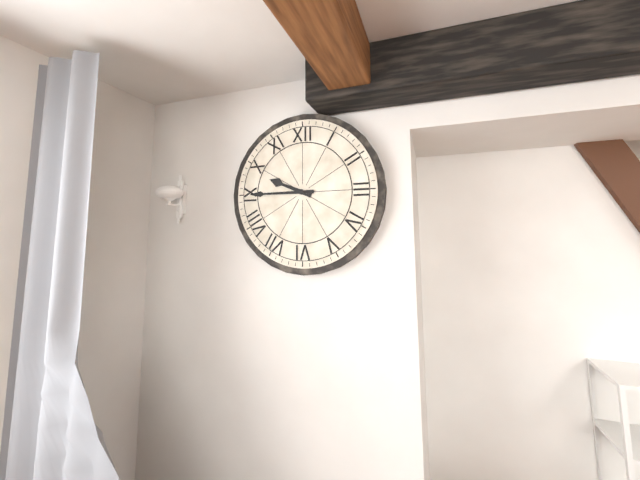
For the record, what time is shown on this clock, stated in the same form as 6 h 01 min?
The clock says 9 h 45 min
